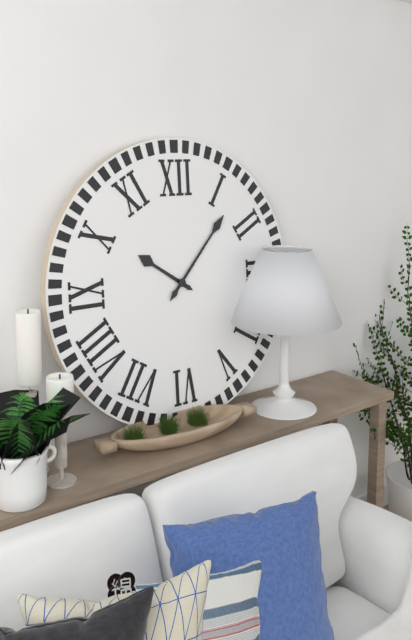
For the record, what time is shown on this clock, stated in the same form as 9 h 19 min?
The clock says 10 h 07 min
